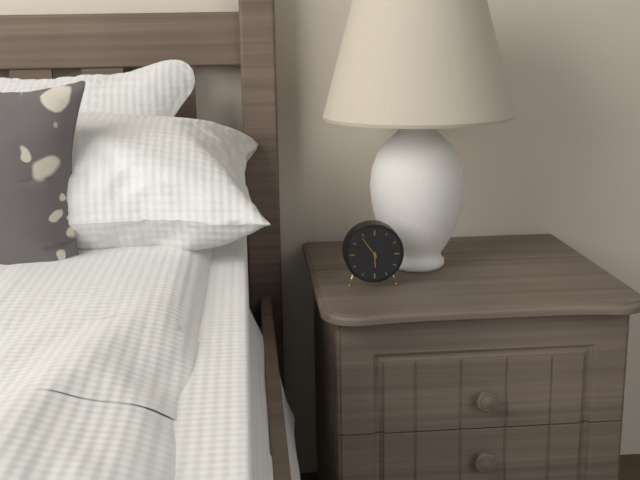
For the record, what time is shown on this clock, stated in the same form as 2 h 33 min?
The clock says 5 h 54 min
